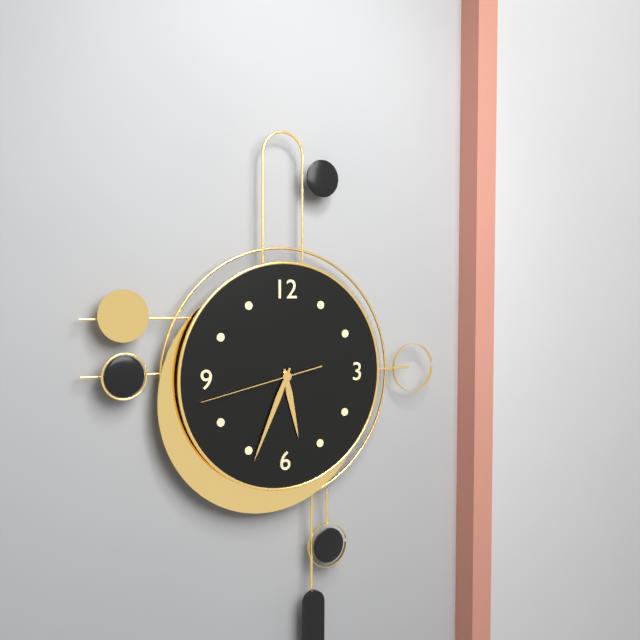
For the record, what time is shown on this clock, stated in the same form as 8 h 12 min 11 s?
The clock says 5 h 34 min 43 s
